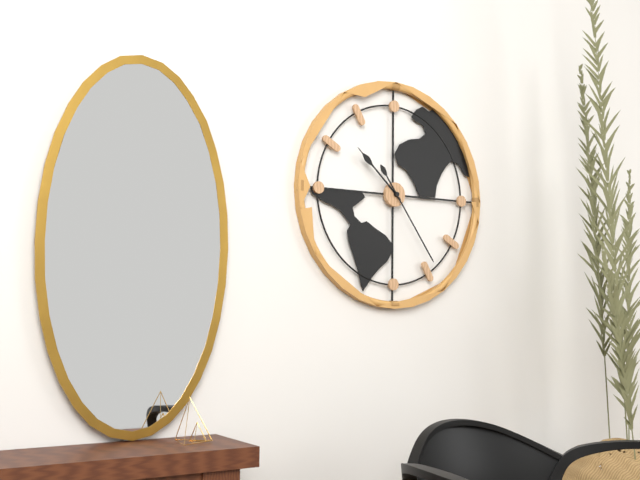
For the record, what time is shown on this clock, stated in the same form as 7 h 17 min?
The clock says 10 h 24 min
